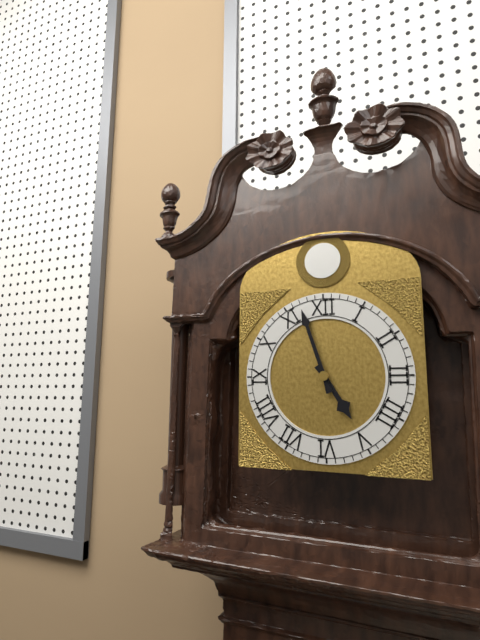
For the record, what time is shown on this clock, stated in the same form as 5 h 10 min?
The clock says 4 h 57 min
